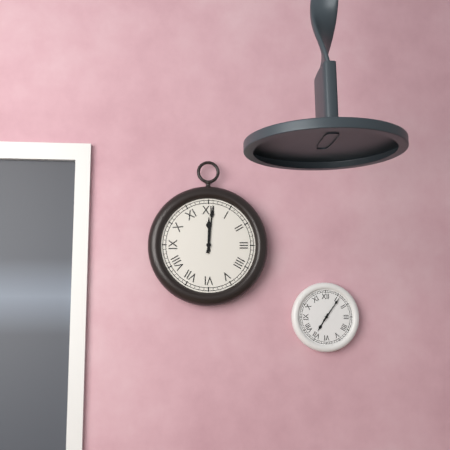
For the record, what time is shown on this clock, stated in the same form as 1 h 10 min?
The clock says 12 h 01 min
